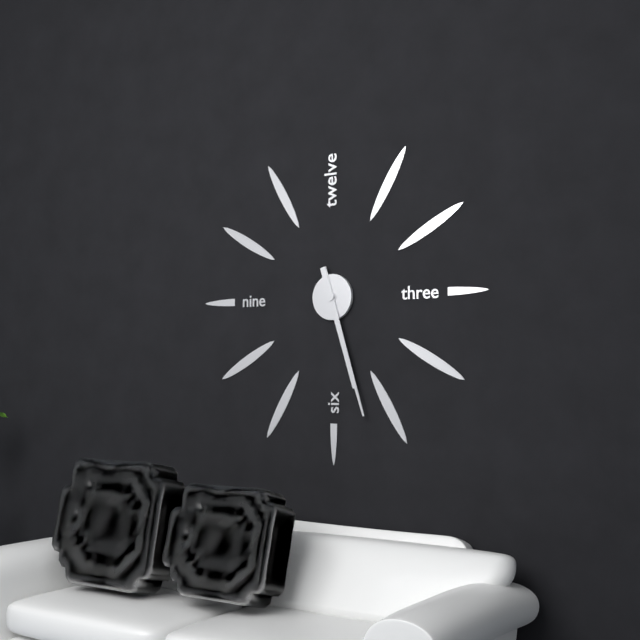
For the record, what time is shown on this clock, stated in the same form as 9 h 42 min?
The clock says 5 h 27 min
